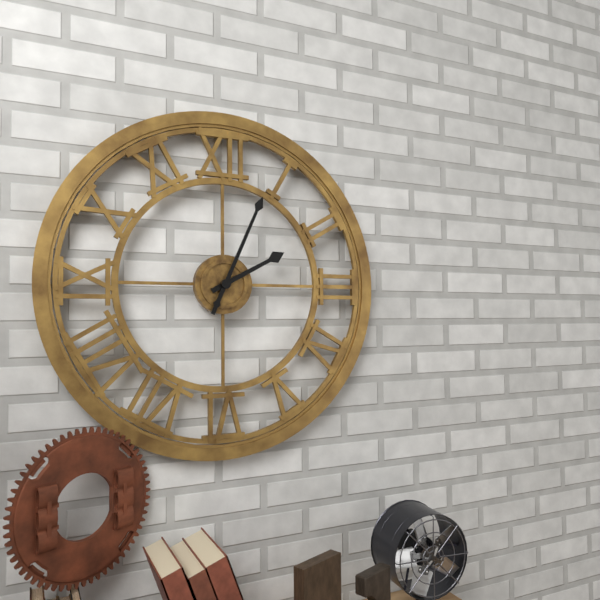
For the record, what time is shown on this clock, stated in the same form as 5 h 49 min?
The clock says 2 h 04 min
